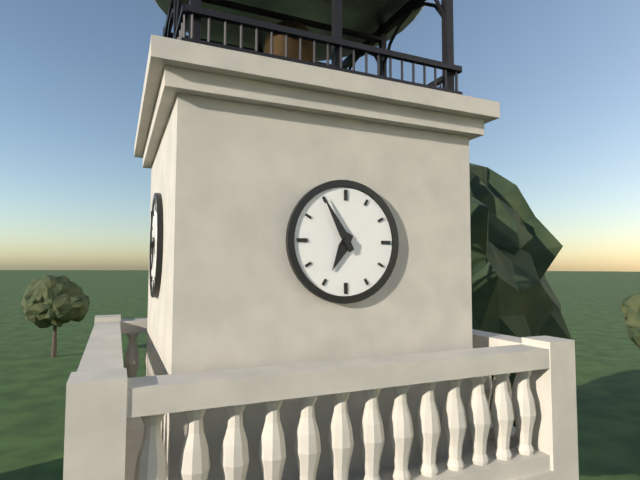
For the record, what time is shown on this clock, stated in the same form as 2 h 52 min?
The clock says 6 h 55 min
